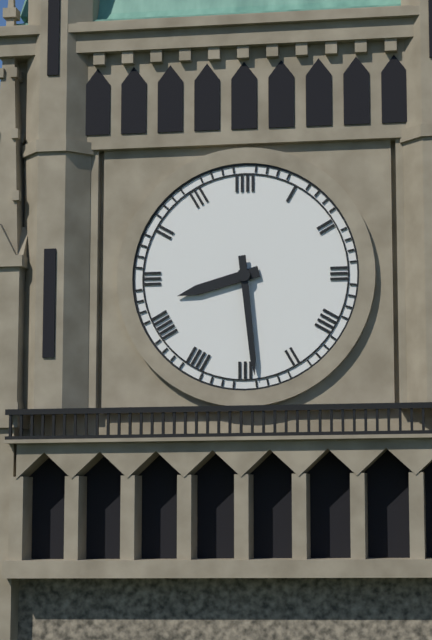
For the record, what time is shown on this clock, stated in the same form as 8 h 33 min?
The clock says 8 h 29 min
